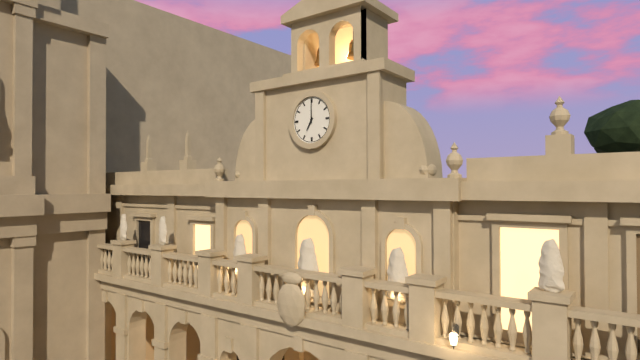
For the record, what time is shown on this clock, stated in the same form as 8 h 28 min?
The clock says 7 h 00 min
